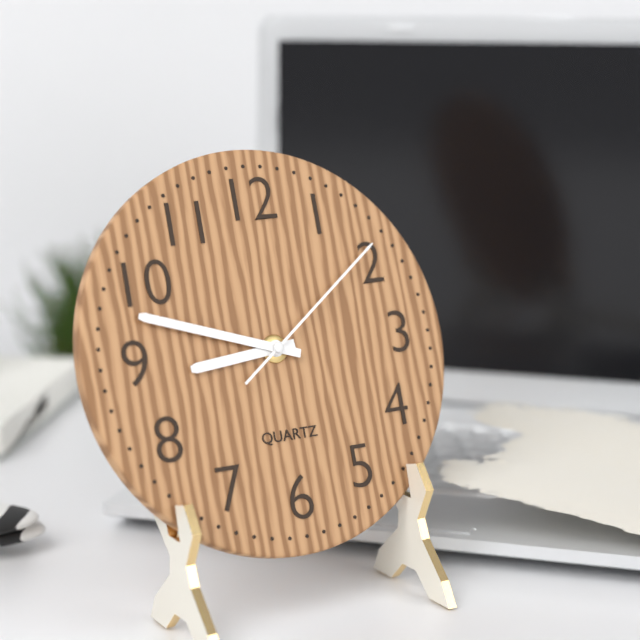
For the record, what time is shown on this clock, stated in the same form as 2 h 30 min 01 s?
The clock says 8 h 48 min 09 s
